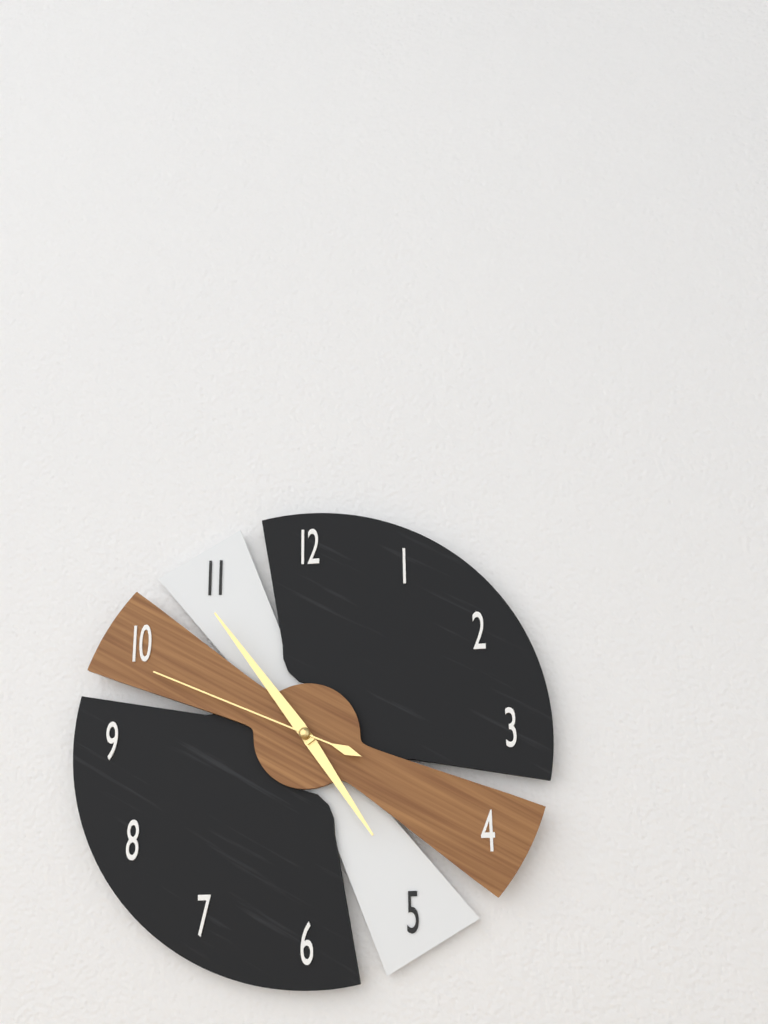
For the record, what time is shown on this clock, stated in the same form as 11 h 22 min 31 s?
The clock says 4 h 54 min 49 s
